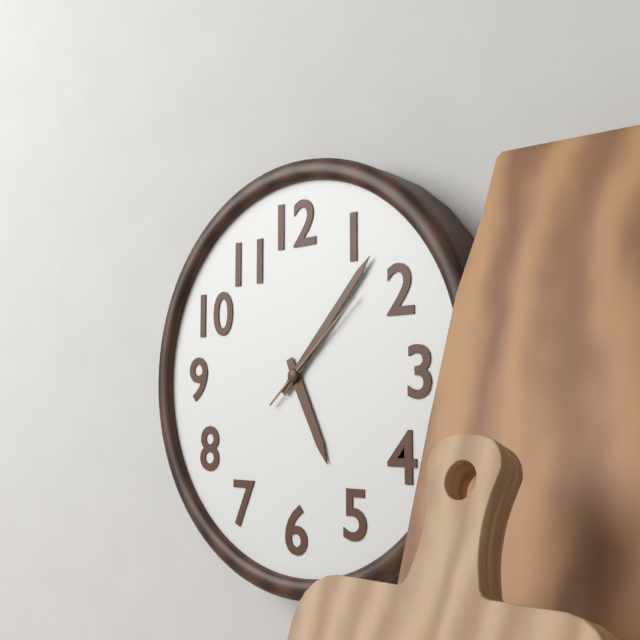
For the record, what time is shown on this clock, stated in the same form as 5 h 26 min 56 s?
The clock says 5 h 07 min 08 s
